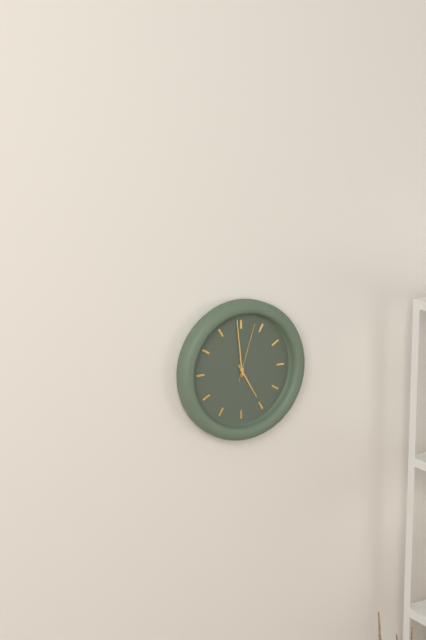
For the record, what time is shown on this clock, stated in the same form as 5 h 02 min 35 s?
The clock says 4 h 59 min 03 s
